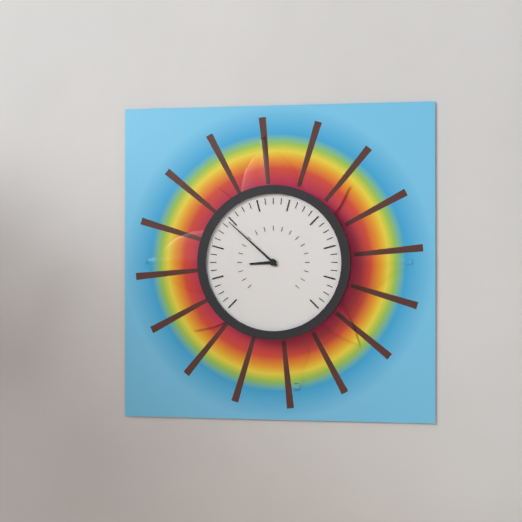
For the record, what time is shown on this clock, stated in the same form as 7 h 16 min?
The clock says 8 h 52 min
